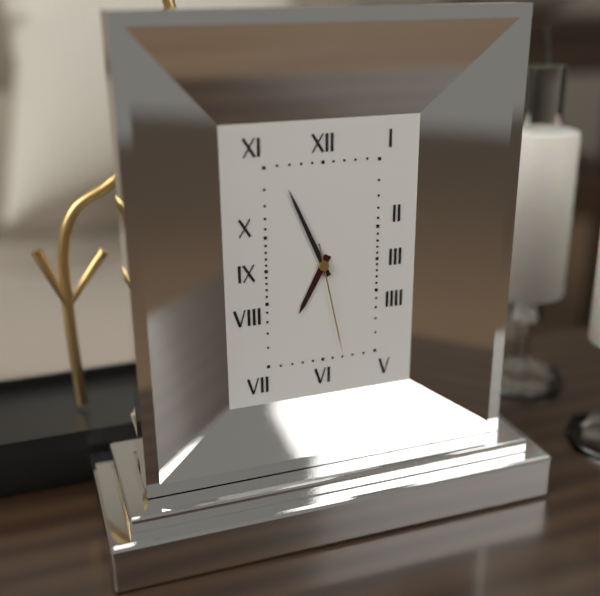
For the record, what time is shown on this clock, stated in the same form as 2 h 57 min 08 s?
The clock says 6 h 56 min 28 s
